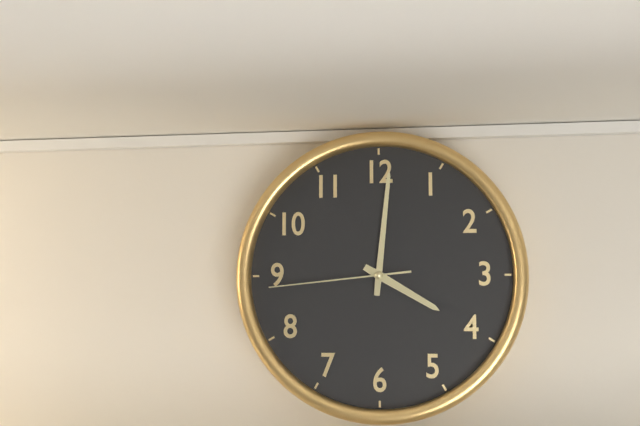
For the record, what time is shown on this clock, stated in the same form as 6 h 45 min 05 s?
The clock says 4 h 01 min 44 s
